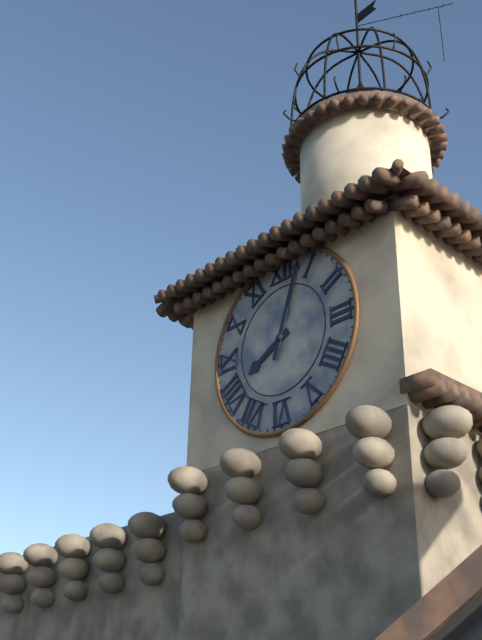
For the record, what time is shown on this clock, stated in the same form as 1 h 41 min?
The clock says 8 h 03 min
